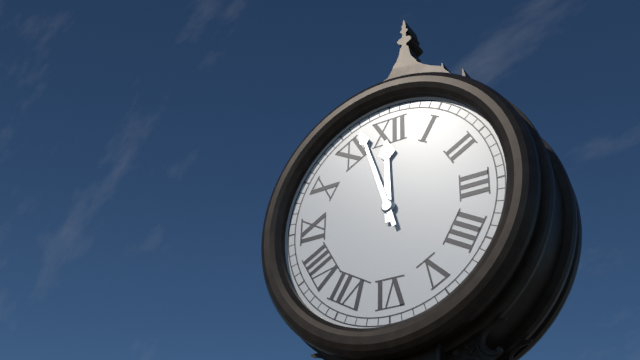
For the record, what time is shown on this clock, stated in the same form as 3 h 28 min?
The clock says 11 h 57 min
